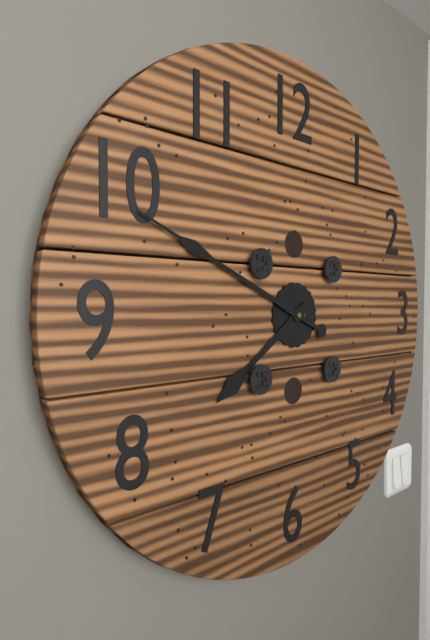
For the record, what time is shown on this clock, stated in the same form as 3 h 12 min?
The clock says 7 h 49 min
